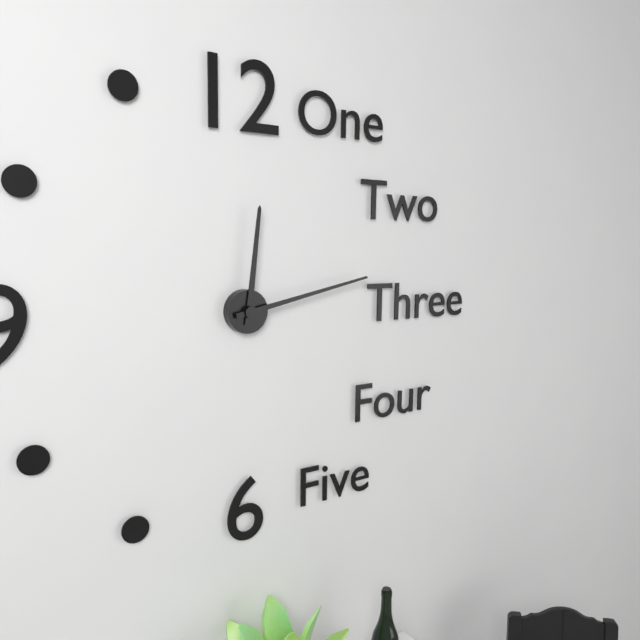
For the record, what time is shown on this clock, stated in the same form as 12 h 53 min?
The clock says 12 h 13 min
